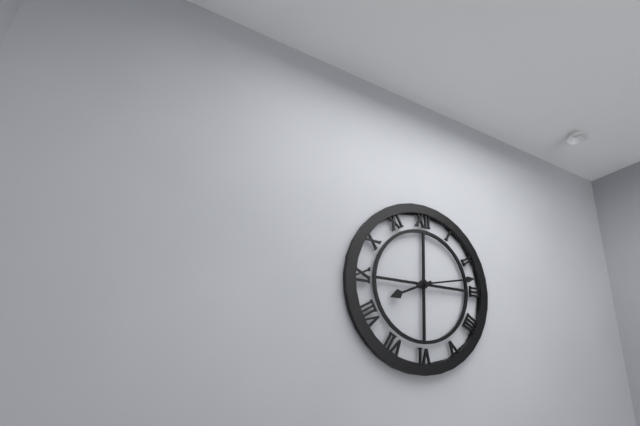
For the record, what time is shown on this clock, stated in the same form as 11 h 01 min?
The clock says 8 h 13 min
